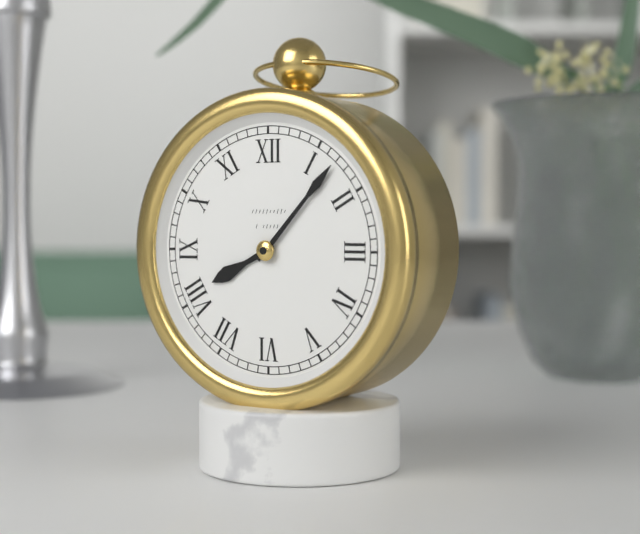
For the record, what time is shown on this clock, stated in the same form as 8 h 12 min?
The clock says 8 h 07 min
